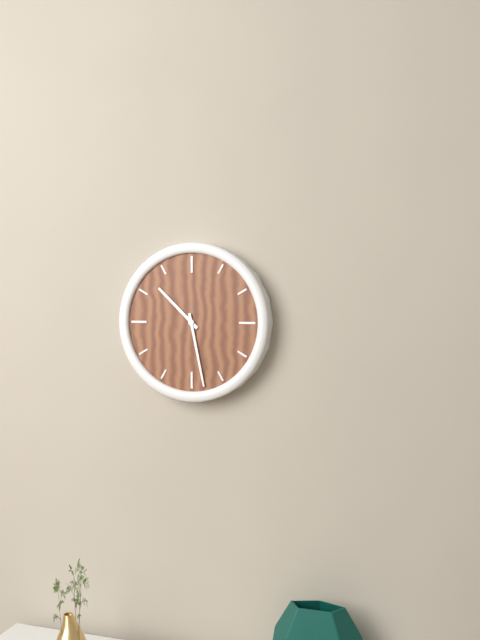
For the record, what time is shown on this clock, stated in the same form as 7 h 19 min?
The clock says 10 h 28 min
